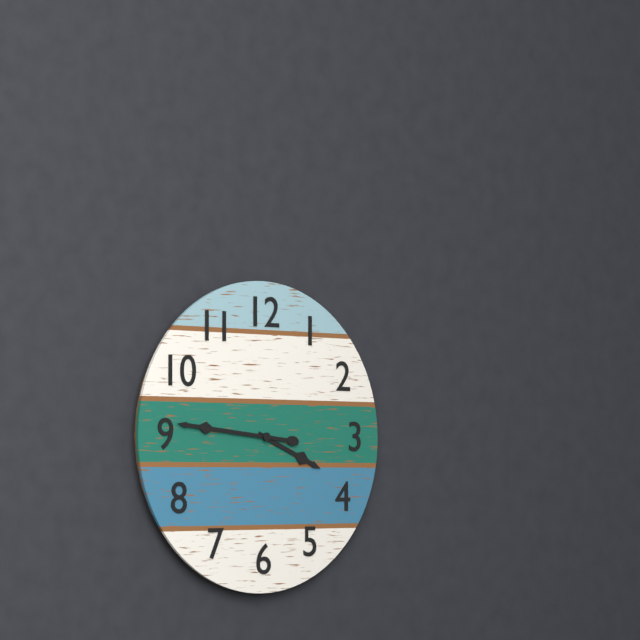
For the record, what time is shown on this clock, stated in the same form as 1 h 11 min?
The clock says 3 h 46 min
